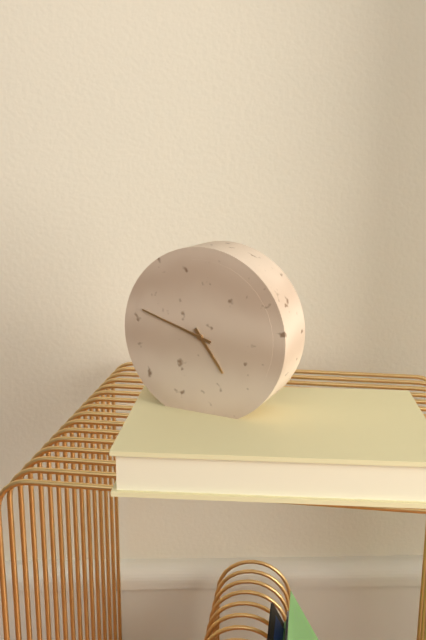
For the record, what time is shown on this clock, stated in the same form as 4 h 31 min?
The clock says 4 h 48 min
